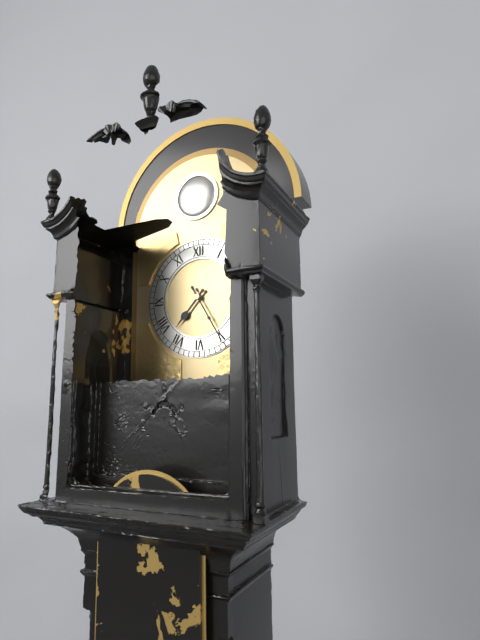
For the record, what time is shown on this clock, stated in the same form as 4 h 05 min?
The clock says 7 h 25 min
